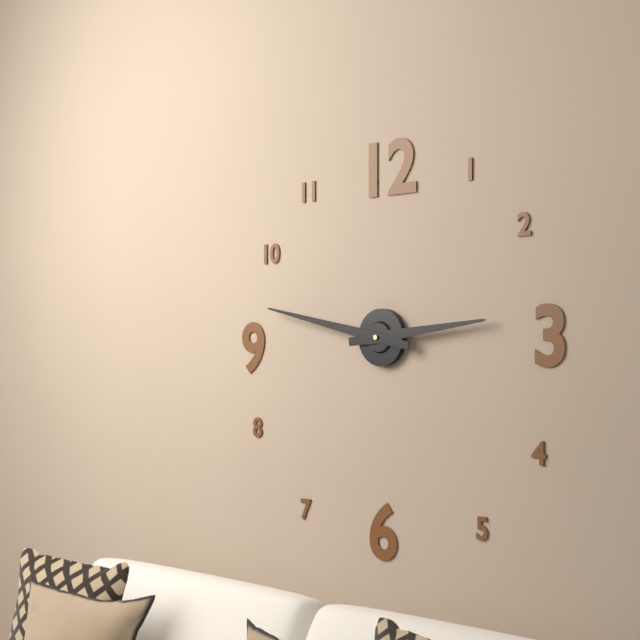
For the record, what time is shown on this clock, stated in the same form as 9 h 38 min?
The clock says 2 h 47 min
